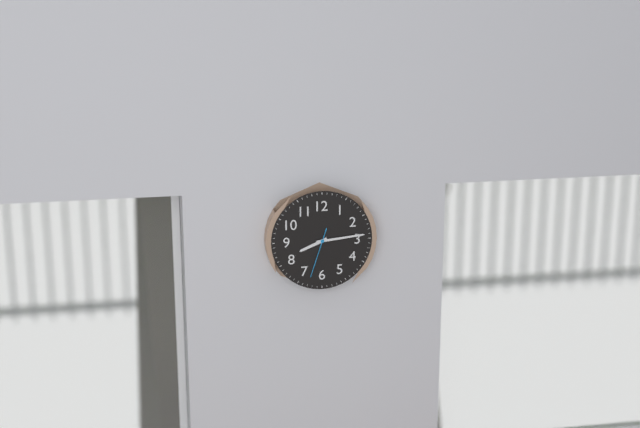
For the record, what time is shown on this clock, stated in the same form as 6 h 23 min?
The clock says 8 h 14 min
